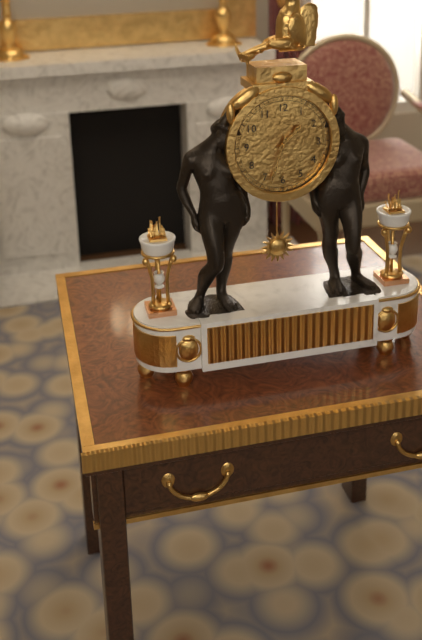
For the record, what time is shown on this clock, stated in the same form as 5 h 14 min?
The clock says 1 h 33 min
